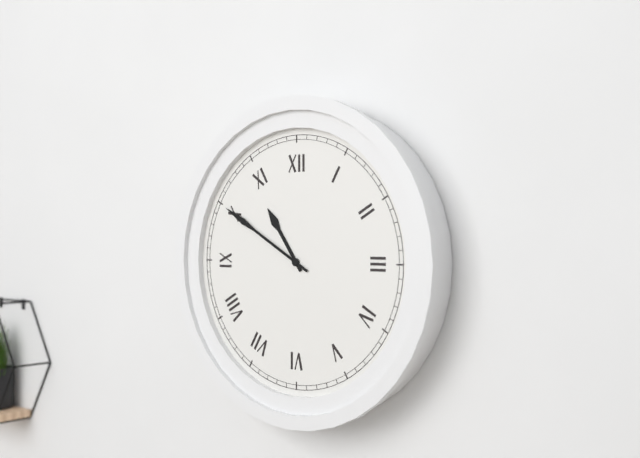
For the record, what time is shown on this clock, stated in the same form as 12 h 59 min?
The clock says 10 h 50 min
